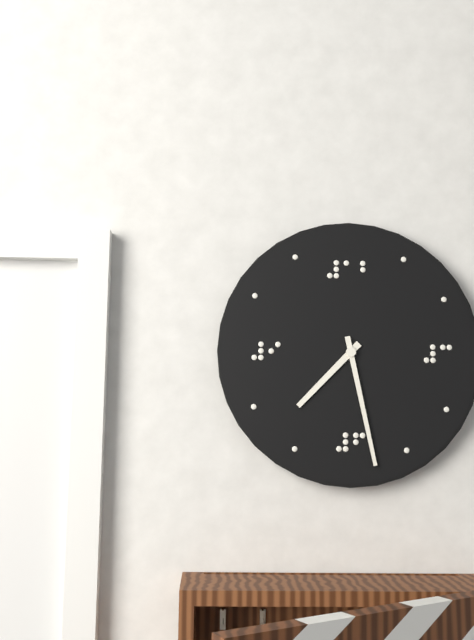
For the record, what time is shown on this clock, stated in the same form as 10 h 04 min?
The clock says 7 h 28 min
